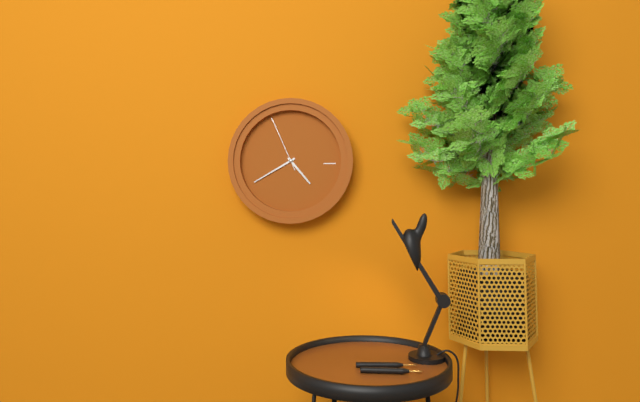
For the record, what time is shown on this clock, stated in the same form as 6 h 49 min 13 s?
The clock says 4 h 40 min 56 s
